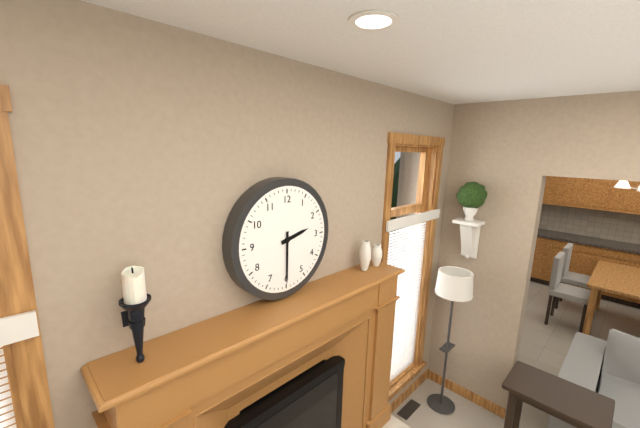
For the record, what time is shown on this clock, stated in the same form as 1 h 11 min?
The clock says 2 h 30 min
